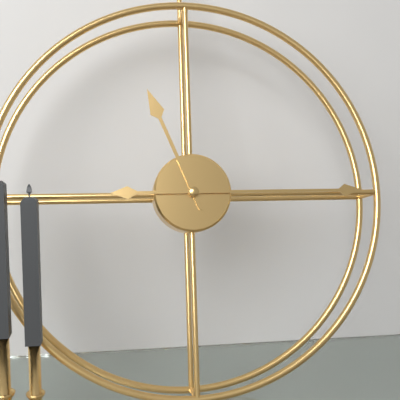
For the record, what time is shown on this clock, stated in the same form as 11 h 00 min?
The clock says 11 h 15 min
